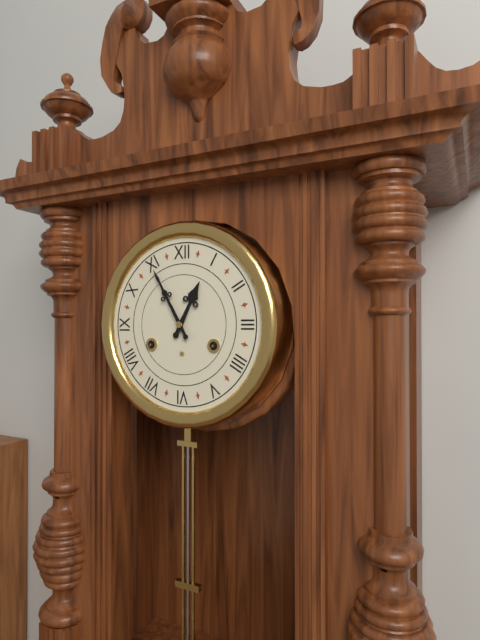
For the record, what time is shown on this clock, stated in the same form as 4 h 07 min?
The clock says 12 h 55 min
